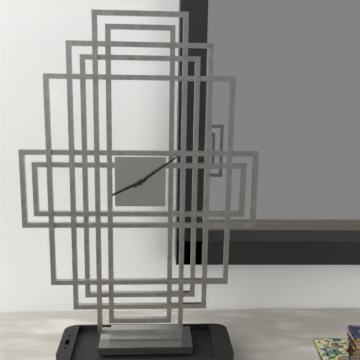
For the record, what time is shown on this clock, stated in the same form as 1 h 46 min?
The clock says 8 h 09 min
